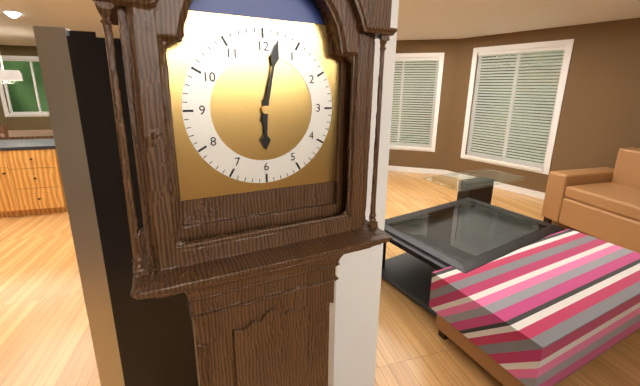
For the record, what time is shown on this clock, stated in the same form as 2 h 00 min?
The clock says 6 h 02 min
